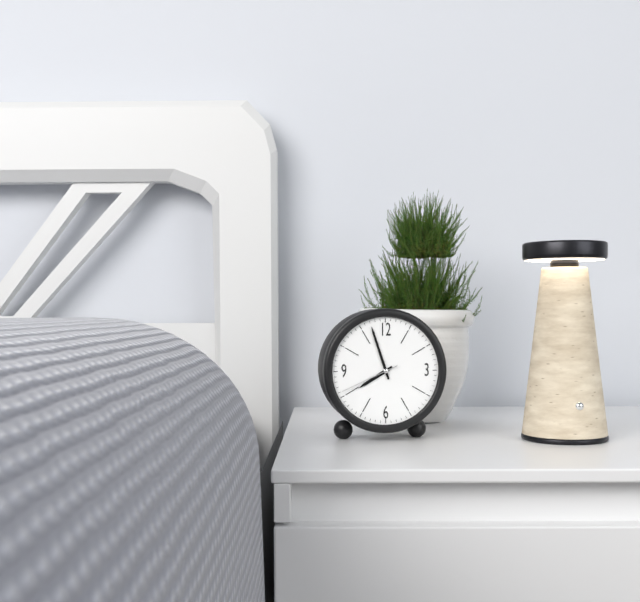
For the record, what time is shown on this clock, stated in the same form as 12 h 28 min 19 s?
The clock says 7 h 57 min 41 s
